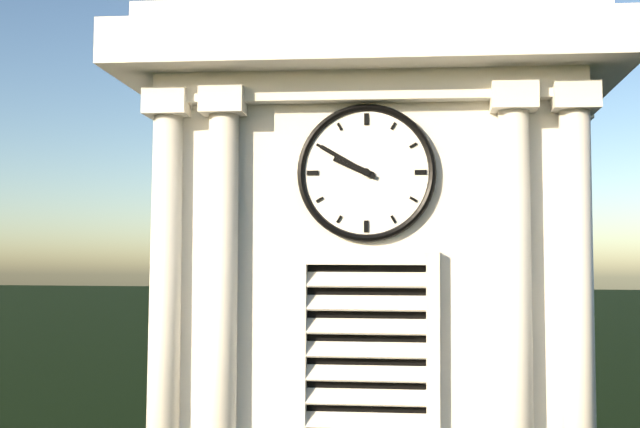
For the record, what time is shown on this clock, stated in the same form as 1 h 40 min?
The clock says 9 h 50 min
